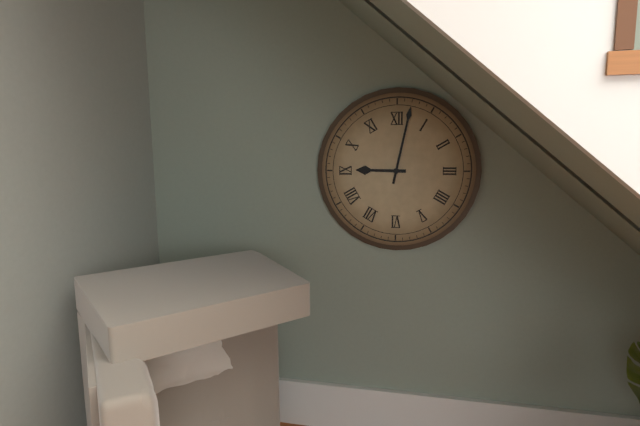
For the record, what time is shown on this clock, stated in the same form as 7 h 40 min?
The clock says 9 h 02 min
